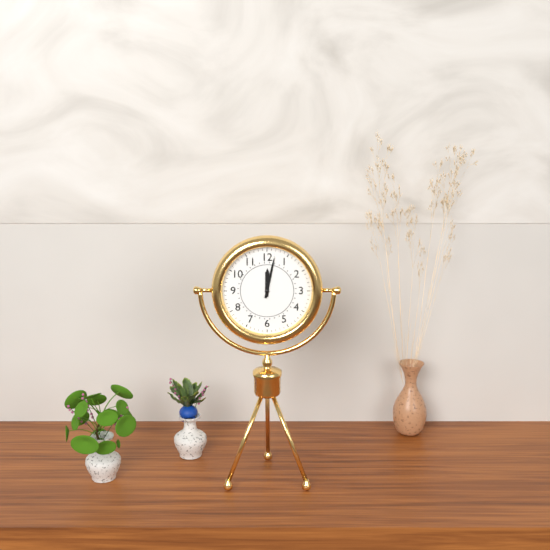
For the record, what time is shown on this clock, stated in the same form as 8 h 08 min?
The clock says 12 h 02 min
